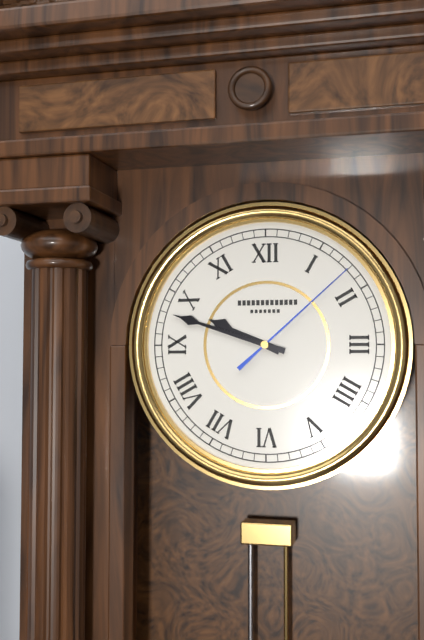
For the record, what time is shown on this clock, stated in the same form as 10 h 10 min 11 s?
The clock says 9 h 48 min 08 s
